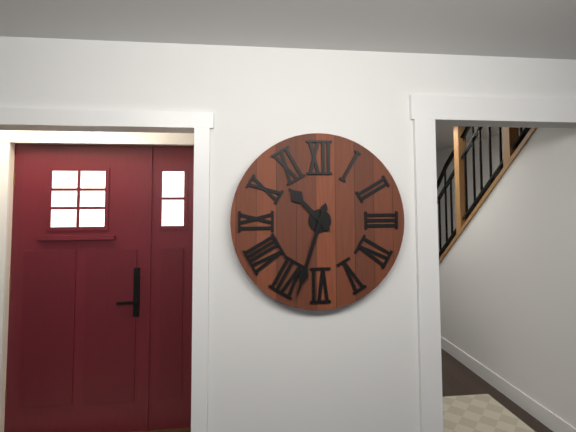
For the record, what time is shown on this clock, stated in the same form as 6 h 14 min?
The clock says 10 h 33 min
